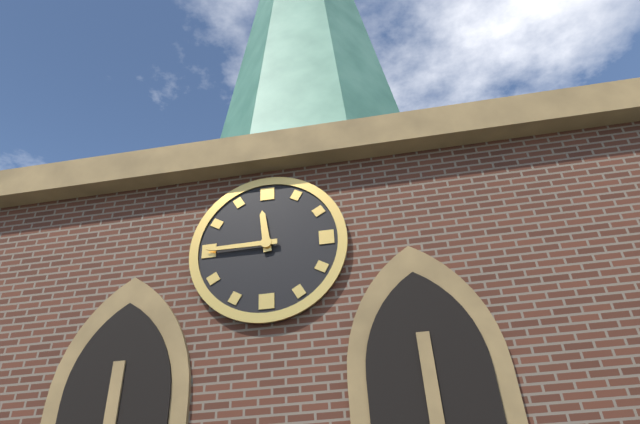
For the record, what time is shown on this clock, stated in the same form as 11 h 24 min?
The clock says 11 h 45 min
